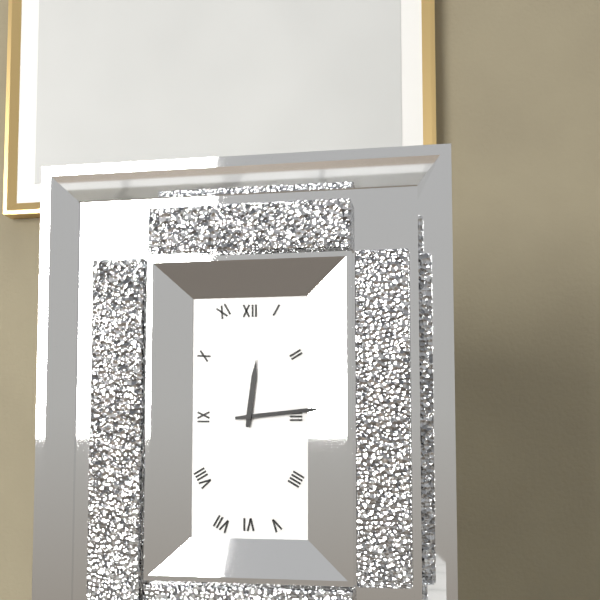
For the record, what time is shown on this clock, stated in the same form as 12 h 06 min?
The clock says 12 h 14 min
